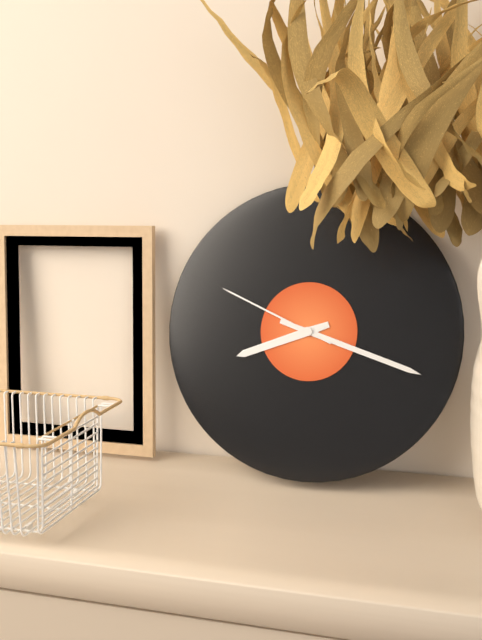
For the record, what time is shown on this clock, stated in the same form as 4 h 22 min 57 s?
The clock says 8 h 18 min 49 s
